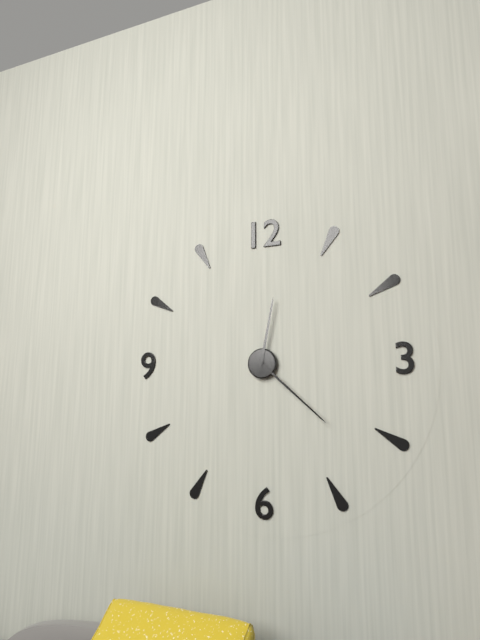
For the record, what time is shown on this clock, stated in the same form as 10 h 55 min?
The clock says 12 h 22 min
